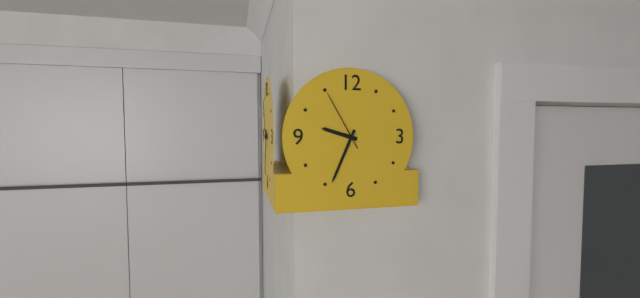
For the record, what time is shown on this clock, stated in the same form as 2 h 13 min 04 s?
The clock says 9 h 34 min 55 s
